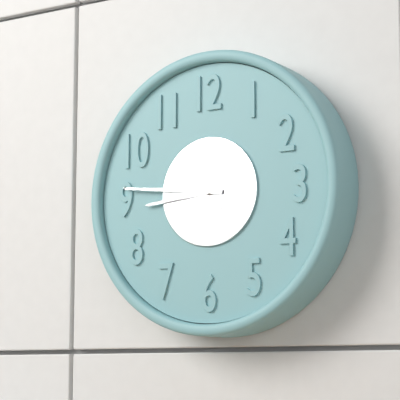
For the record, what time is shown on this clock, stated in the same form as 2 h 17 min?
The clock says 8 h 46 min
